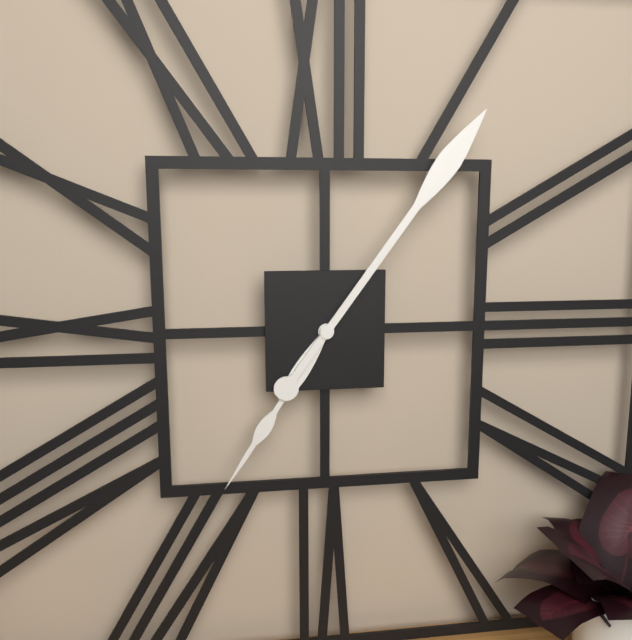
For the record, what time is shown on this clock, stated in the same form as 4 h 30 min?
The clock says 7 h 06 min
